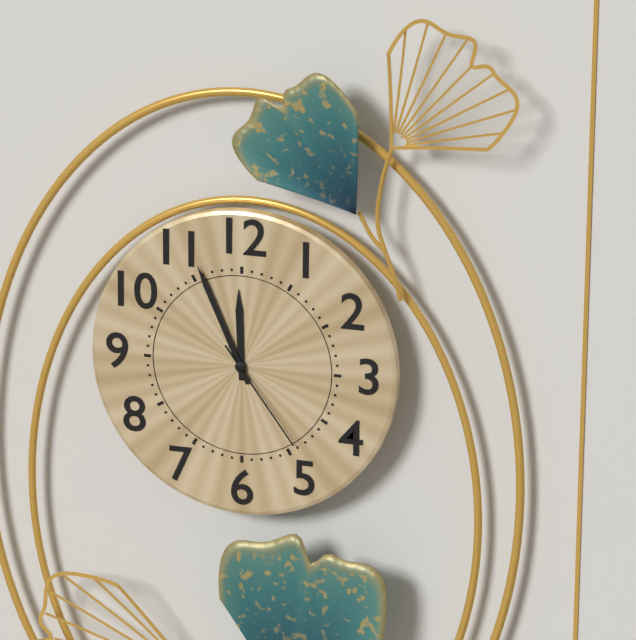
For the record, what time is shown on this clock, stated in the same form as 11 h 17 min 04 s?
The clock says 11 h 56 min 24 s
